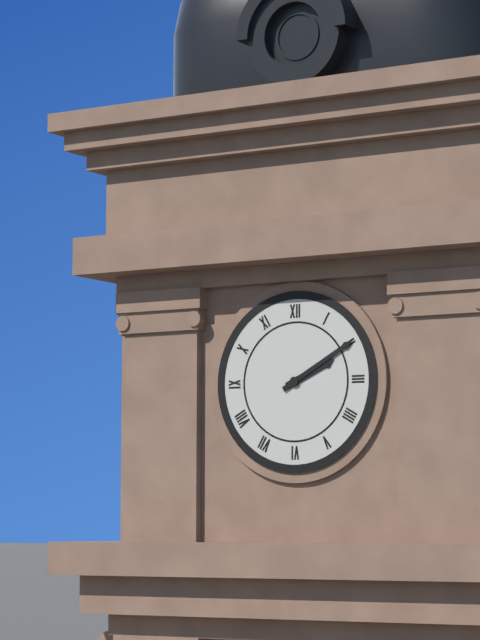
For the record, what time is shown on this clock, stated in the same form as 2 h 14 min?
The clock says 2 h 10 min
